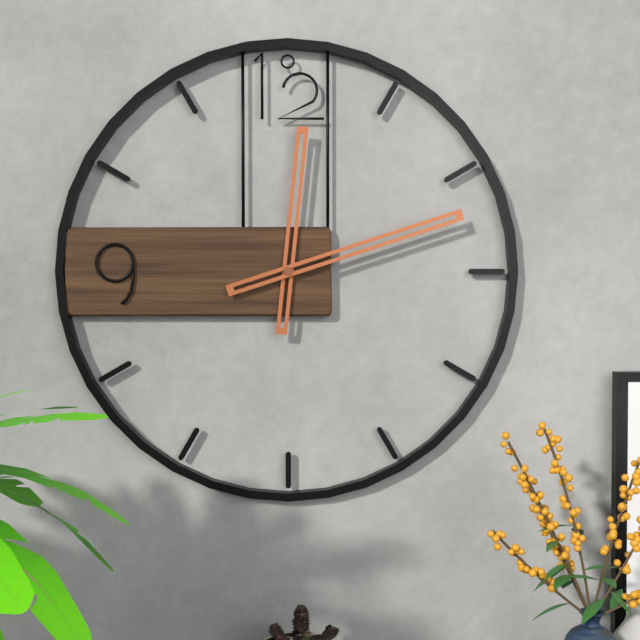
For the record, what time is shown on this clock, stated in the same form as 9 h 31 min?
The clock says 12 h 12 min
